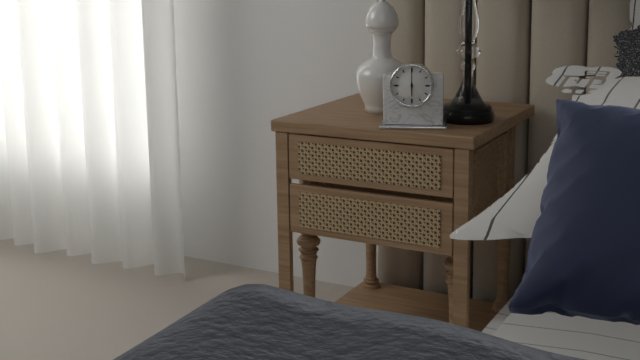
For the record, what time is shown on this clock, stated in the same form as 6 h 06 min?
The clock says 6 h 00 min
